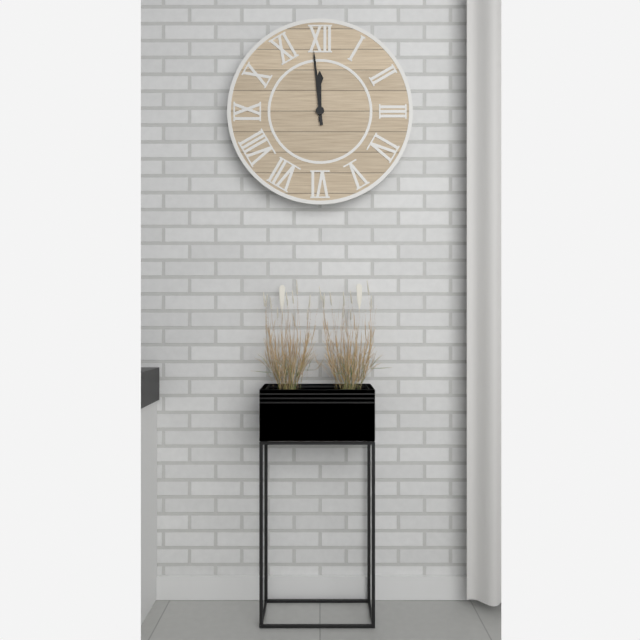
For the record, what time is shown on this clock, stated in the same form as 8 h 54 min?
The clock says 11 h 59 min
